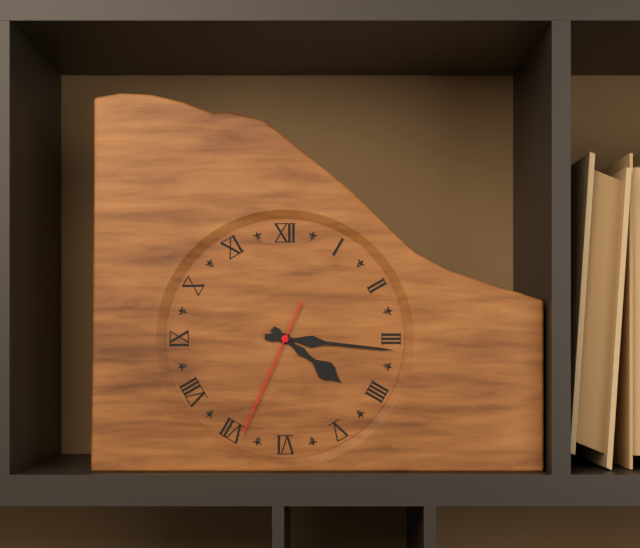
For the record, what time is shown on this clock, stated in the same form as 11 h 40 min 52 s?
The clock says 4 h 16 min 34 s
